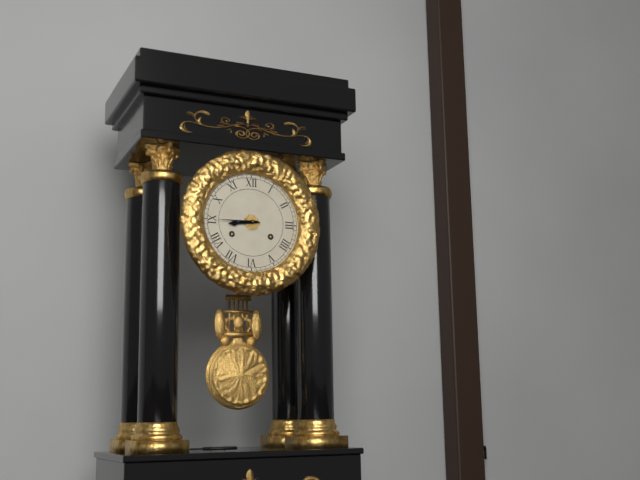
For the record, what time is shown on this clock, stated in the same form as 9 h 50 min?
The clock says 8 h 45 min
